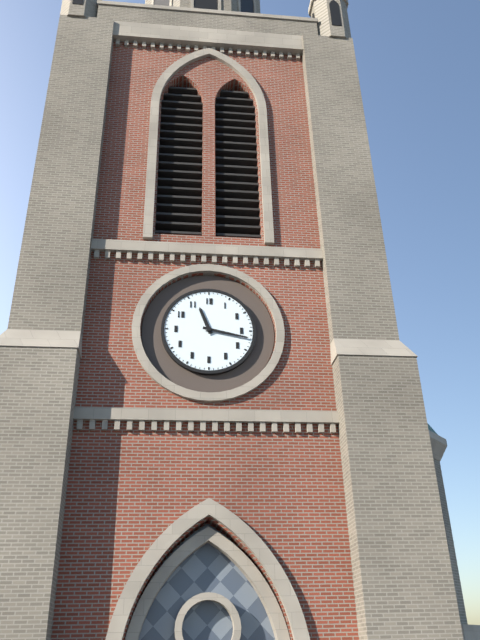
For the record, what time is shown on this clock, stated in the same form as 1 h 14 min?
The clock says 11 h 17 min
